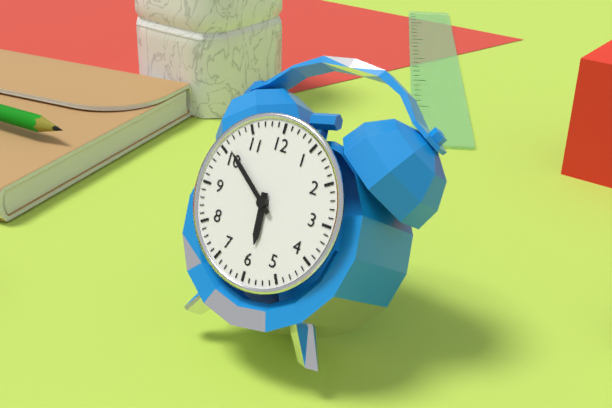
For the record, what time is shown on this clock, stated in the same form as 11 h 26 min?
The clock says 5 h 51 min
